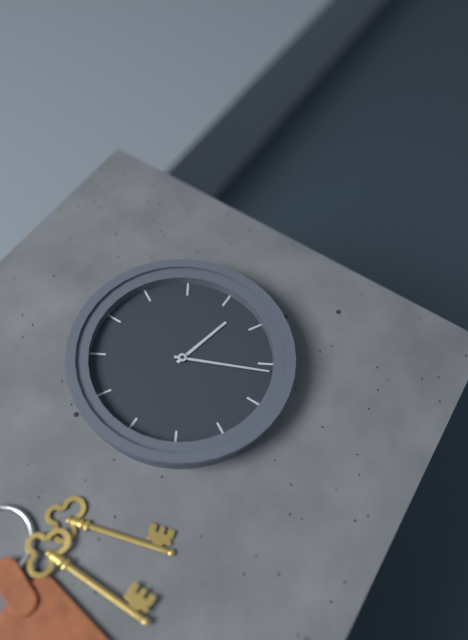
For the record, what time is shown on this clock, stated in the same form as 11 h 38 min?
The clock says 3 h 26 min
